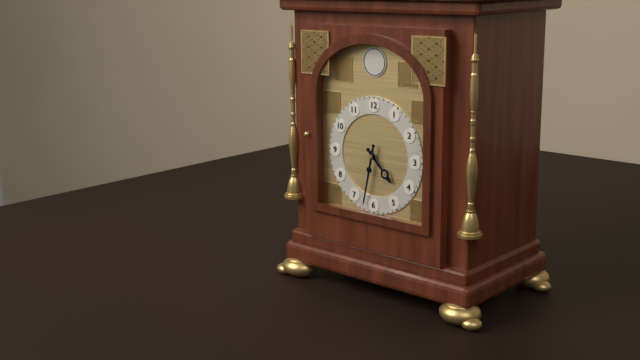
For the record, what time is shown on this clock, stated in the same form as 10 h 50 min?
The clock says 4 h 32 min
